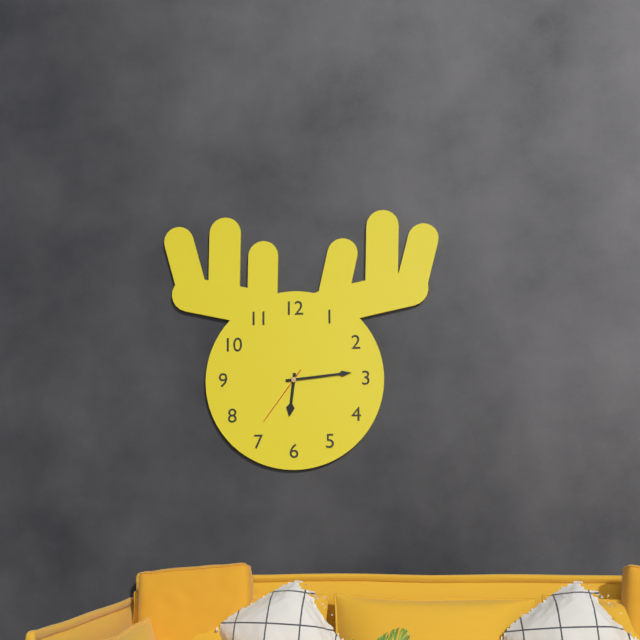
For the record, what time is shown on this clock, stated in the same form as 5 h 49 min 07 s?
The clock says 6 h 14 min 36 s
